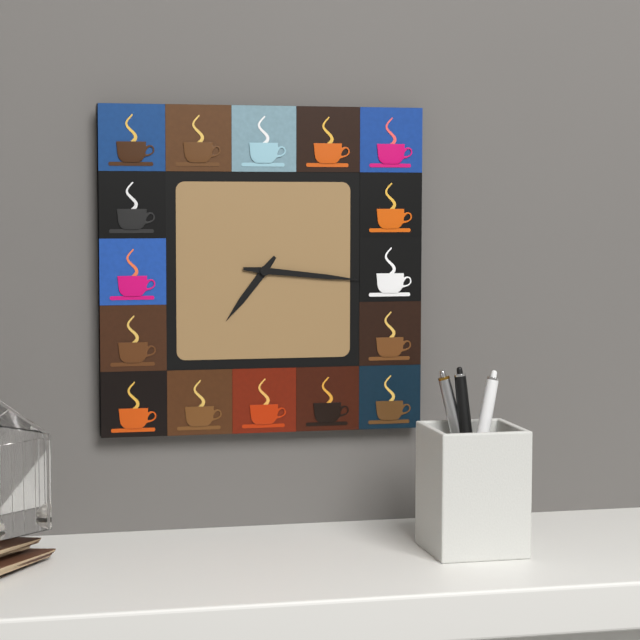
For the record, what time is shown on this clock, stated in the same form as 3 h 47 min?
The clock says 7 h 16 min
